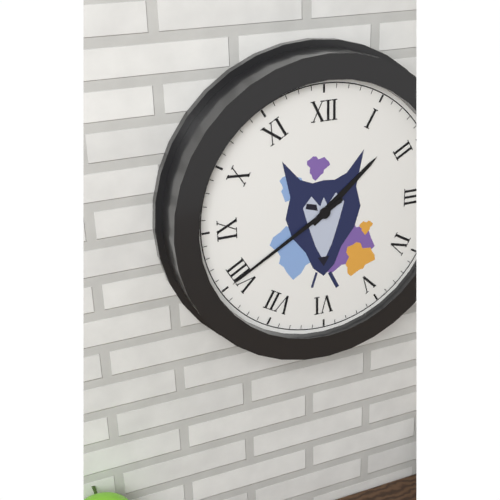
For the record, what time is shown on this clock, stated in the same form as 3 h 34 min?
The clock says 1 h 40 min
